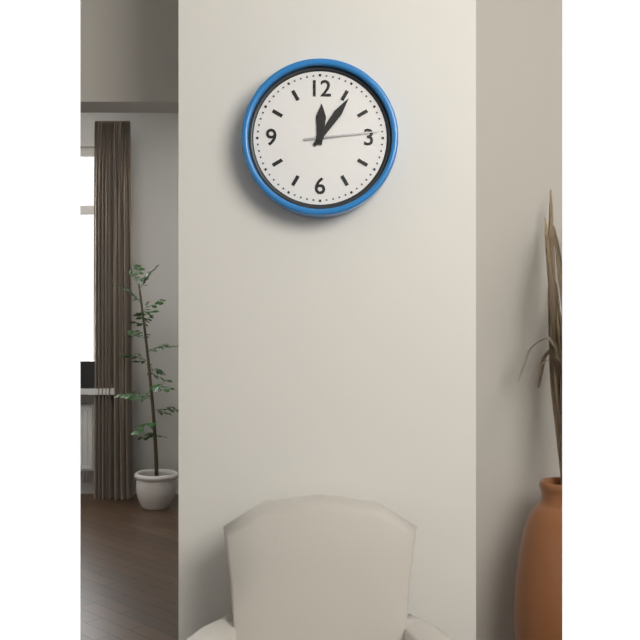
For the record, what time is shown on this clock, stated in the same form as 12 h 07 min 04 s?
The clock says 12 h 06 min 14 s
